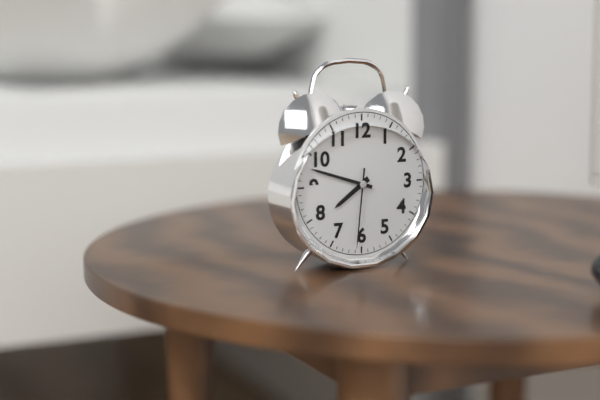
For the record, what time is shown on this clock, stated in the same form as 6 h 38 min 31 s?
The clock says 7 h 48 min 31 s
